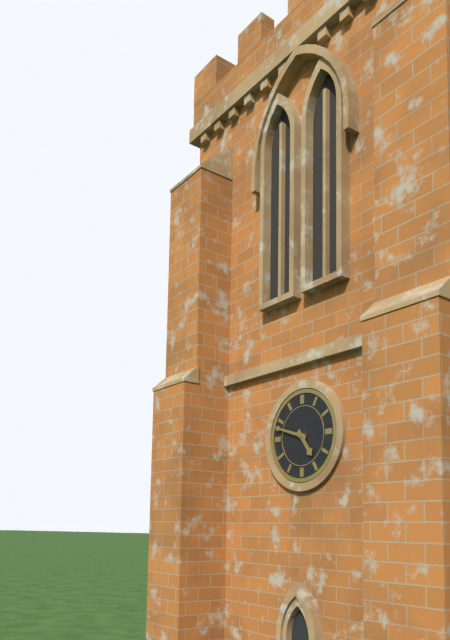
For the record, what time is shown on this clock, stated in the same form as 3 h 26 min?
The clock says 4 h 48 min
